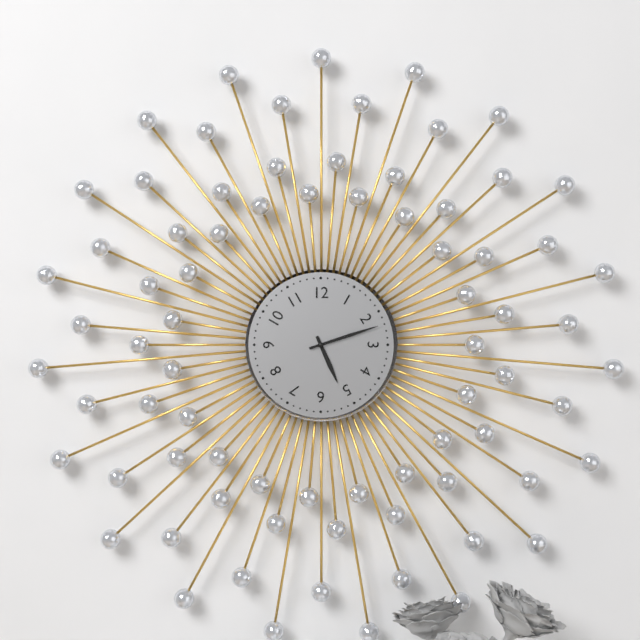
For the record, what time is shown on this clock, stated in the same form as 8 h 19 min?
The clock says 5 h 12 min
